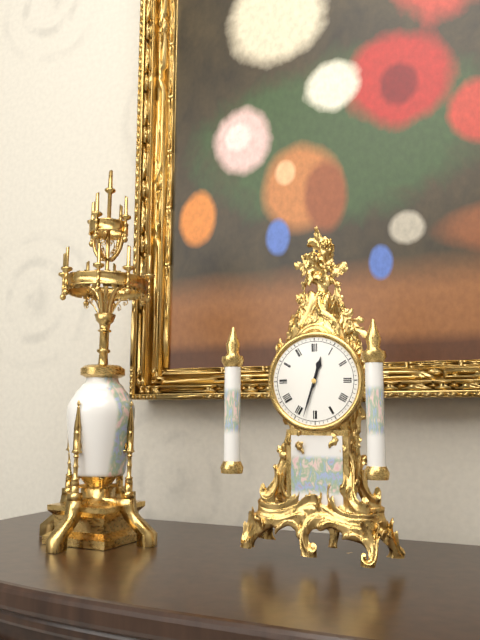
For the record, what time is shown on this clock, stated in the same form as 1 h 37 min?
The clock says 12 h 33 min
